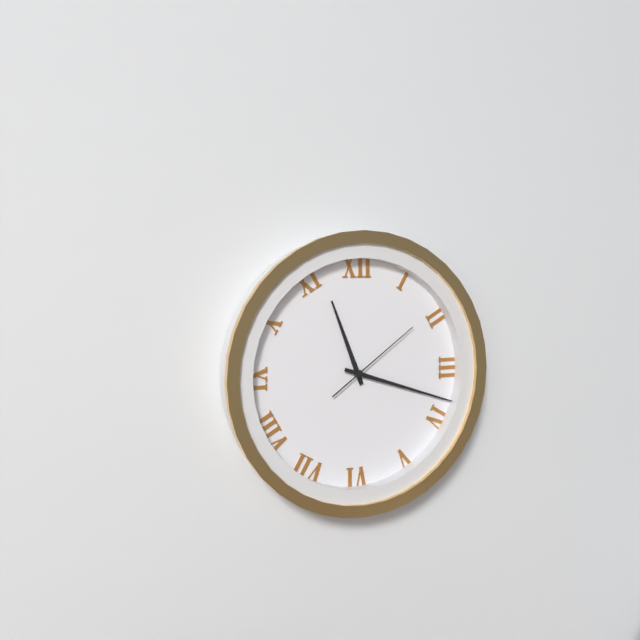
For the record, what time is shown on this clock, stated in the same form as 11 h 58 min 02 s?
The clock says 11 h 18 min 09 s
